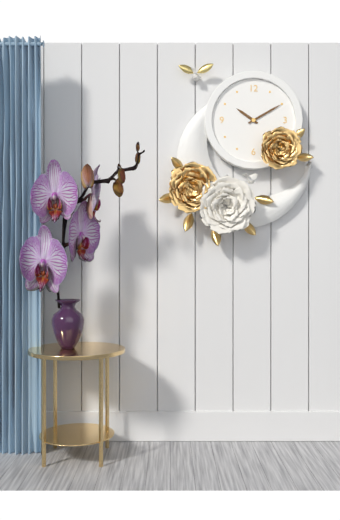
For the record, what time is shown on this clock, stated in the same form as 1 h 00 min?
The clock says 10 h 10 min
